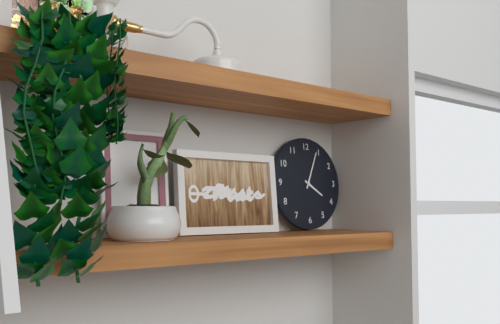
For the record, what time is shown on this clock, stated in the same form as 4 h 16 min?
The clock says 4 h 04 min
